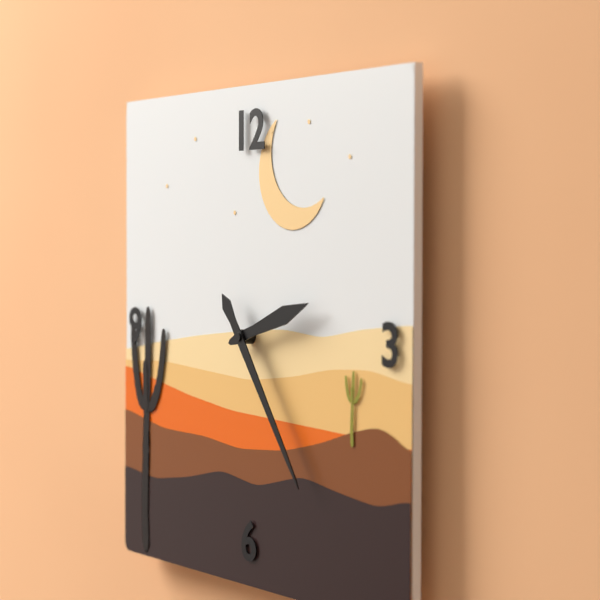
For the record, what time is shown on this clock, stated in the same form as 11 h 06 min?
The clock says 2 h 24 min
